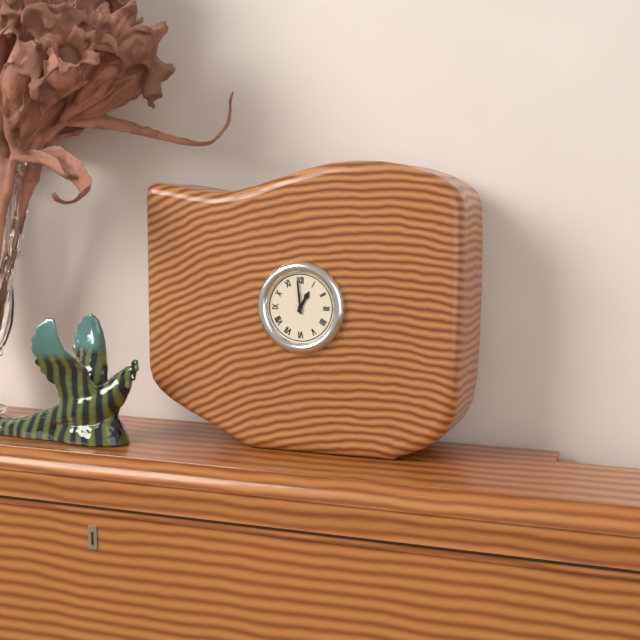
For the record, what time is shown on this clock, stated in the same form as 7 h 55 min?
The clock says 12 h 59 min
